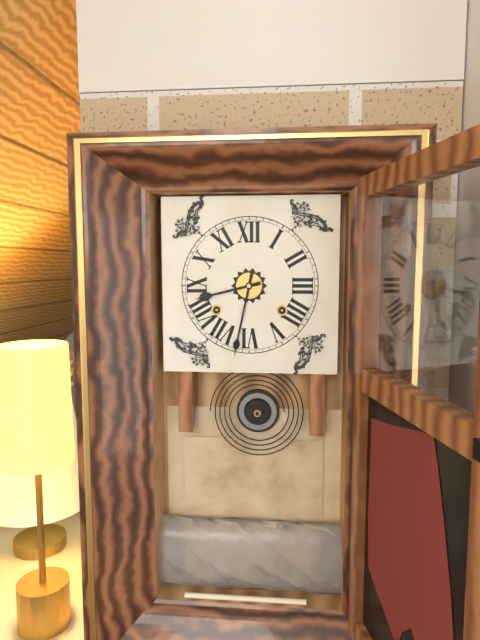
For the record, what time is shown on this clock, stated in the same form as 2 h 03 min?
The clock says 8 h 32 min
